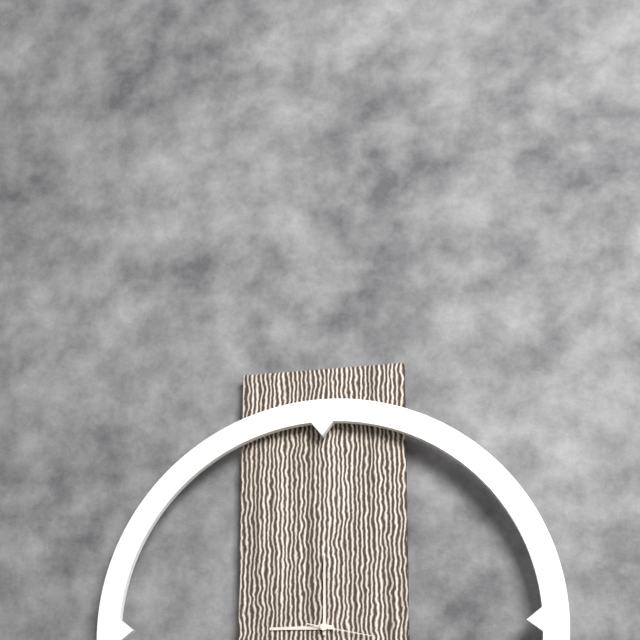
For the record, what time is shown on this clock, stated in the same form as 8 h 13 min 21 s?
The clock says 9 h 00 min 17 s
